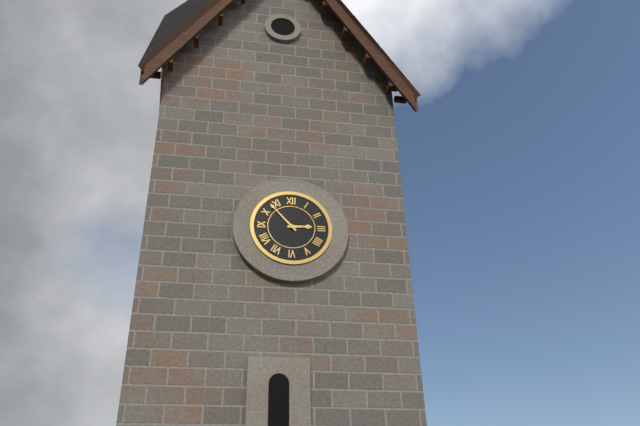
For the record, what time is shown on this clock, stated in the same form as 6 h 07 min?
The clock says 2 h 53 min
